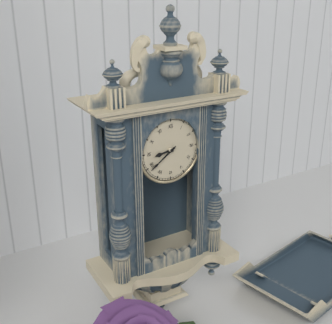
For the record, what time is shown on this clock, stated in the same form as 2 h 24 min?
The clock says 8 h 39 min
